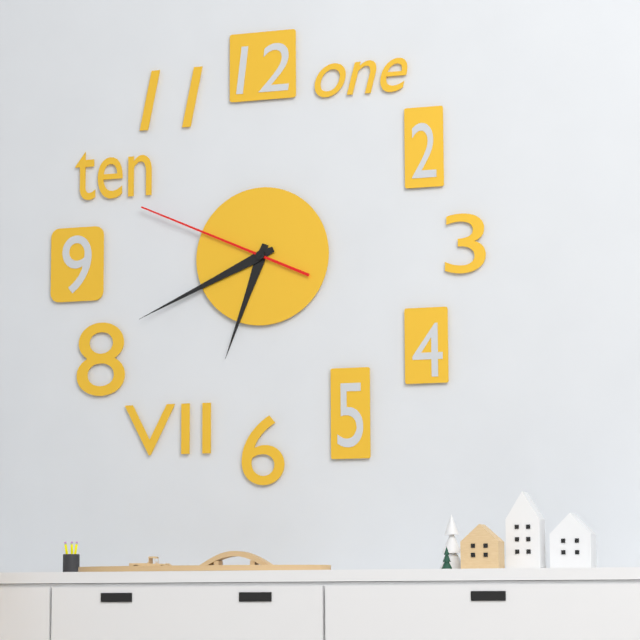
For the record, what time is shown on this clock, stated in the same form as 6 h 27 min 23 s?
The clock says 6 h 41 min 49 s
